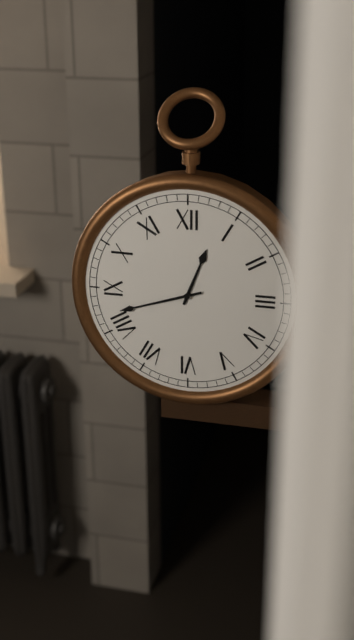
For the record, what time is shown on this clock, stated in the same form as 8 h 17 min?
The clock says 12 h 42 min
